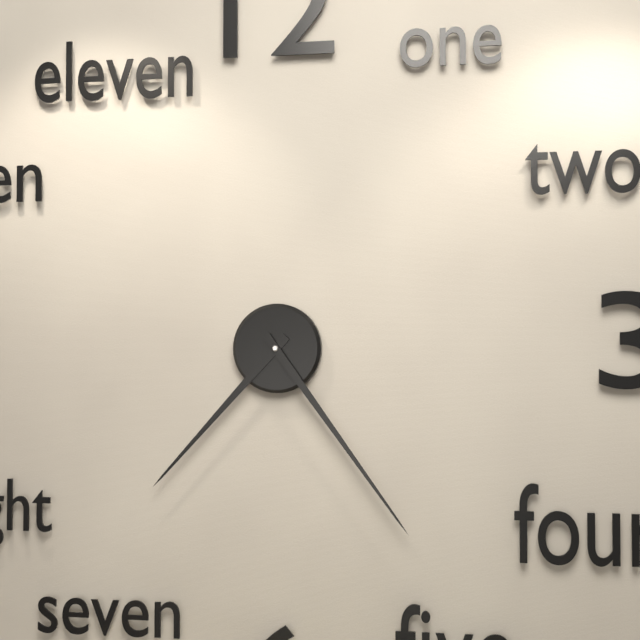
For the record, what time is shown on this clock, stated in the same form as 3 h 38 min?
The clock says 7 h 24 min
